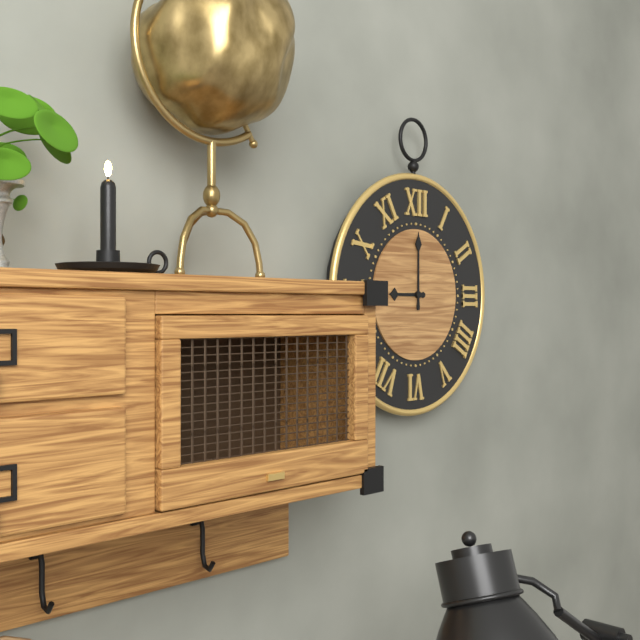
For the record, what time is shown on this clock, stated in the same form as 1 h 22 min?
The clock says 9 h 00 min
